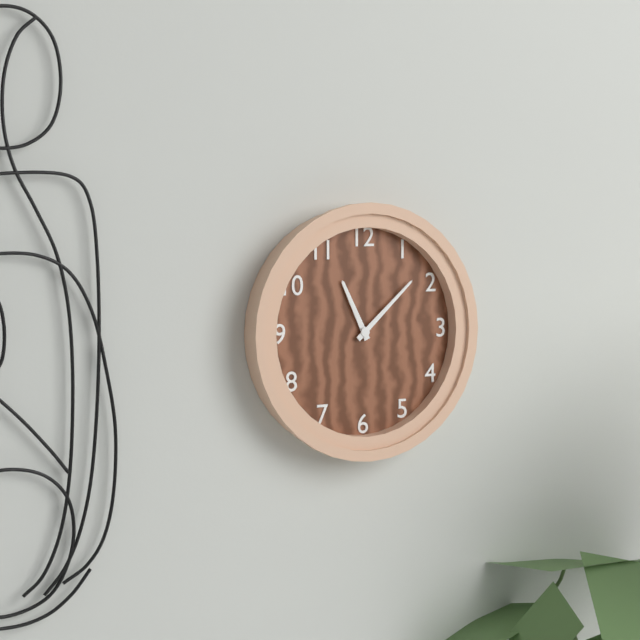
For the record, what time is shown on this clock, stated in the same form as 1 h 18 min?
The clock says 11 h 08 min
